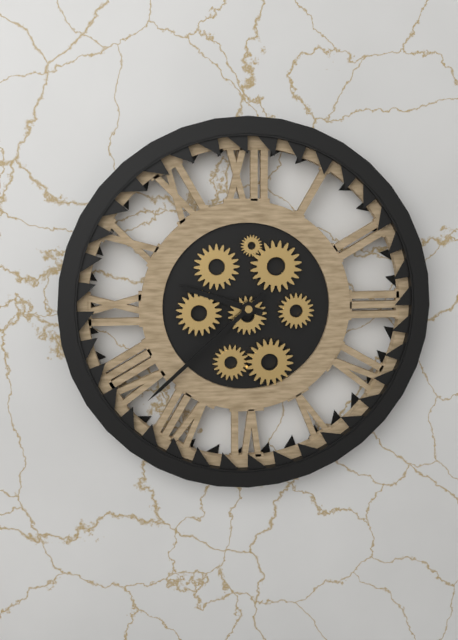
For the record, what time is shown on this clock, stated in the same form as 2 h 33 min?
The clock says 9 h 38 min
